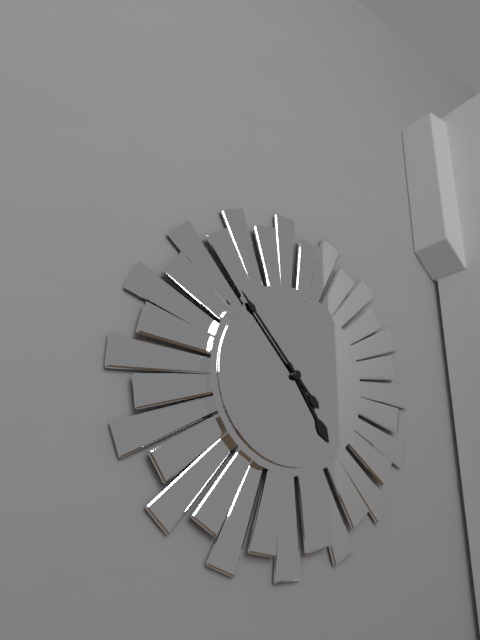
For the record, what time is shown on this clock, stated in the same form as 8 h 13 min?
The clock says 4 h 53 min
